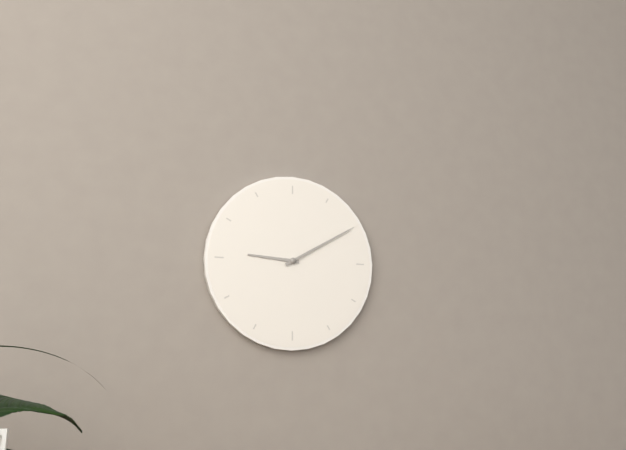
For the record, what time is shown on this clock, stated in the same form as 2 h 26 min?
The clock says 9 h 10 min
